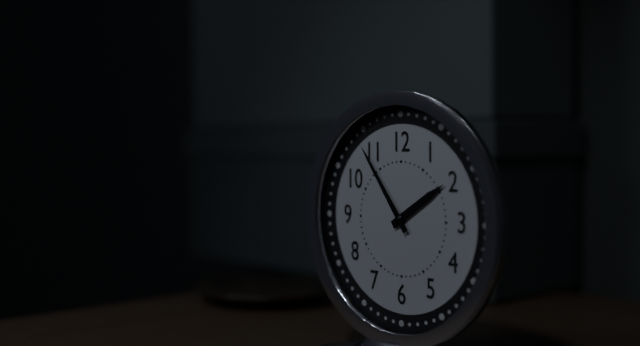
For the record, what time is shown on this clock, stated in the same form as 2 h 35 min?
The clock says 1 h 54 min
